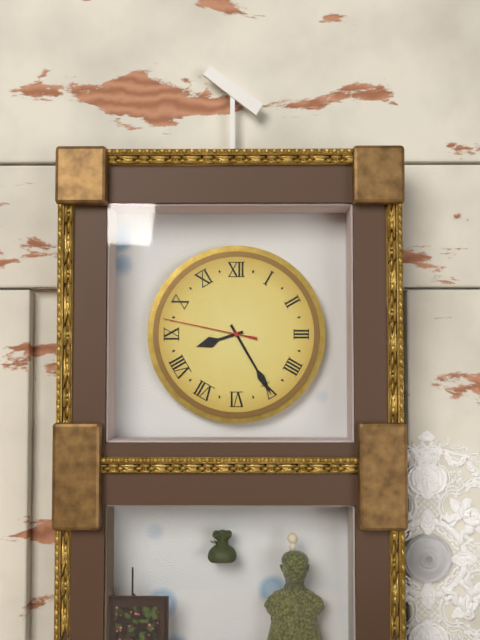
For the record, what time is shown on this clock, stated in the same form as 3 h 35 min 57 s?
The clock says 8 h 25 min 47 s
